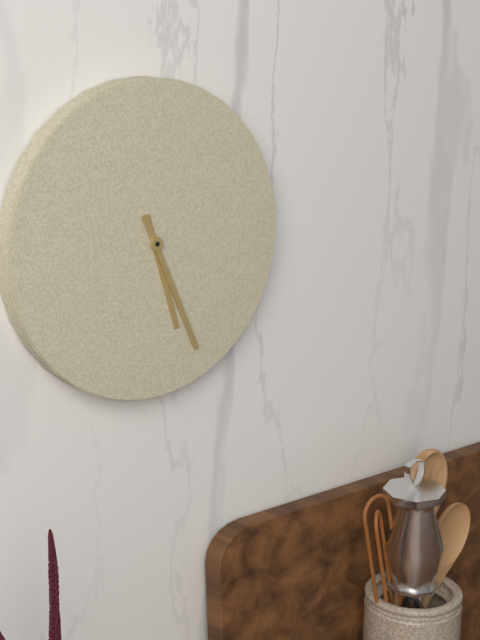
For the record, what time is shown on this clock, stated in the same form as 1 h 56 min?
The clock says 5 h 26 min
